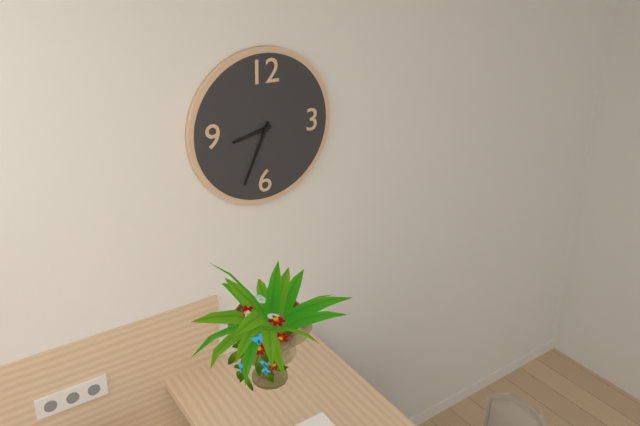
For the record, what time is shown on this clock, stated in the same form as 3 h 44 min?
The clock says 8 h 34 min
